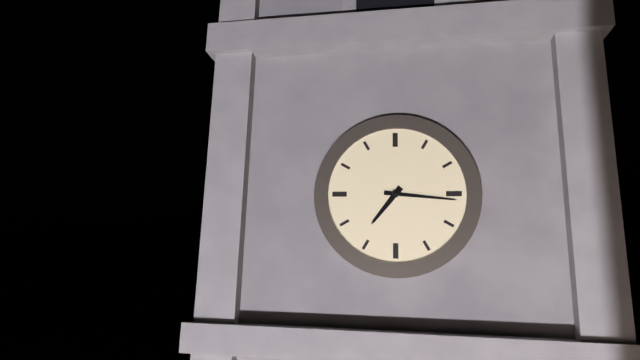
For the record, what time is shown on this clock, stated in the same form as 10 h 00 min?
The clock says 7 h 16 min
